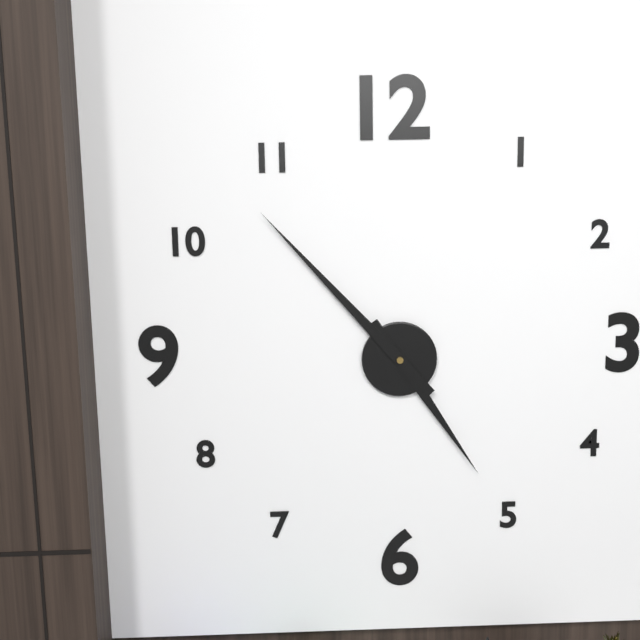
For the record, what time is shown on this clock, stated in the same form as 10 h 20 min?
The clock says 4 h 53 min
